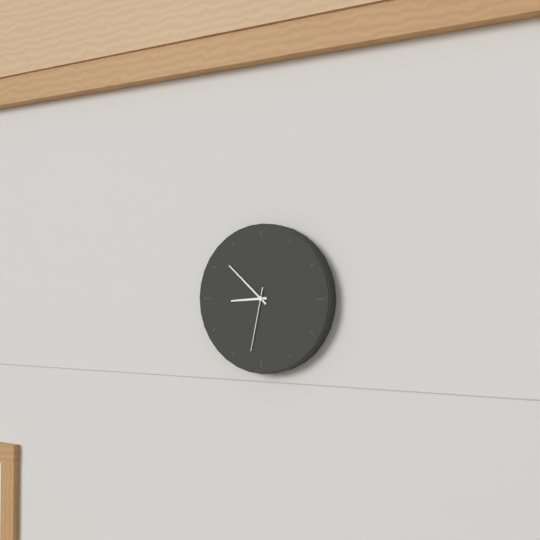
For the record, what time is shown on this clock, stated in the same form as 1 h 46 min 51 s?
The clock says 8 h 52 min 32 s
